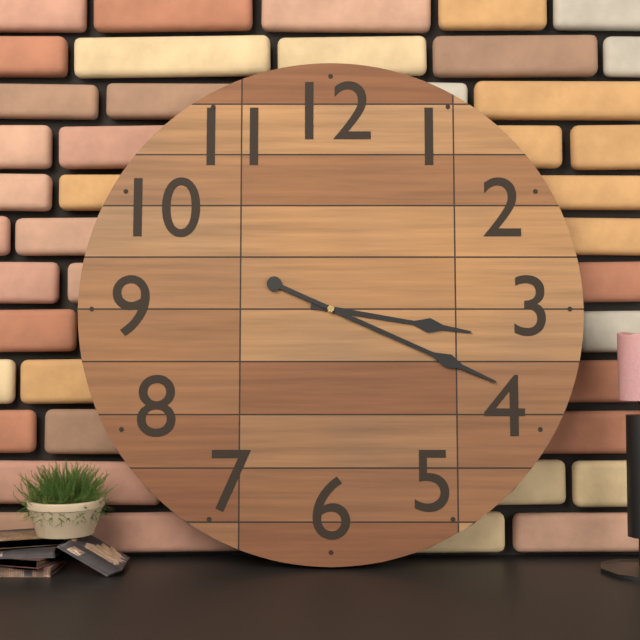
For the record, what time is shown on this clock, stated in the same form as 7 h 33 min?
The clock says 3 h 19 min
